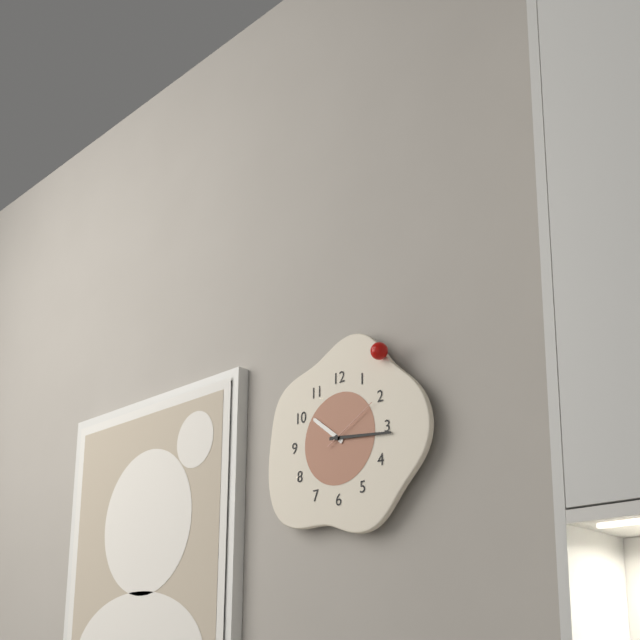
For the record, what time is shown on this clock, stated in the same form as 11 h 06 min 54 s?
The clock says 10 h 16 min 10 s
